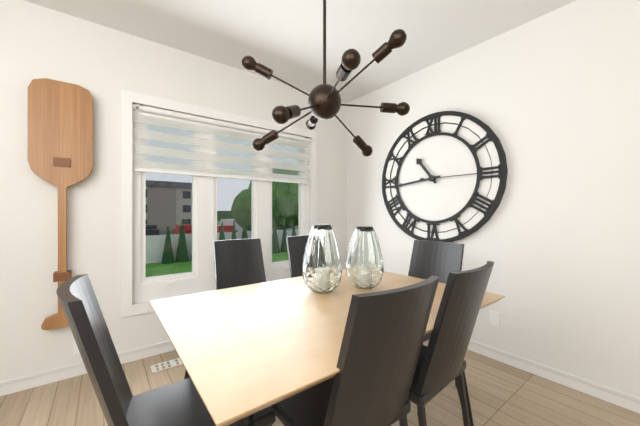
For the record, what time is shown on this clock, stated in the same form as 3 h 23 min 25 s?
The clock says 10 h 44 min 15 s
